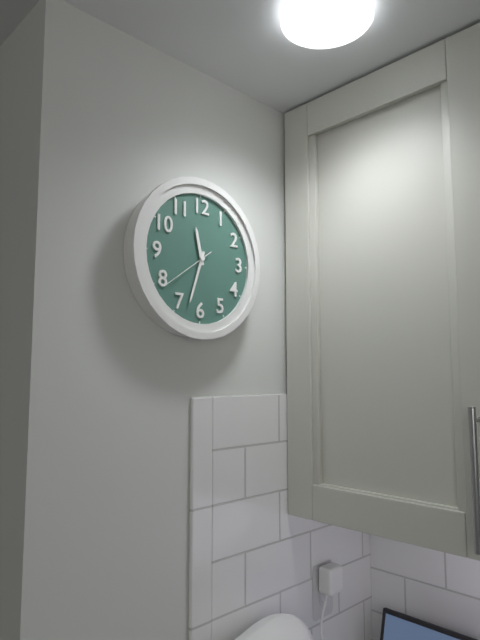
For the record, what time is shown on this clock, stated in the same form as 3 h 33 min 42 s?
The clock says 11 h 33 min 39 s
